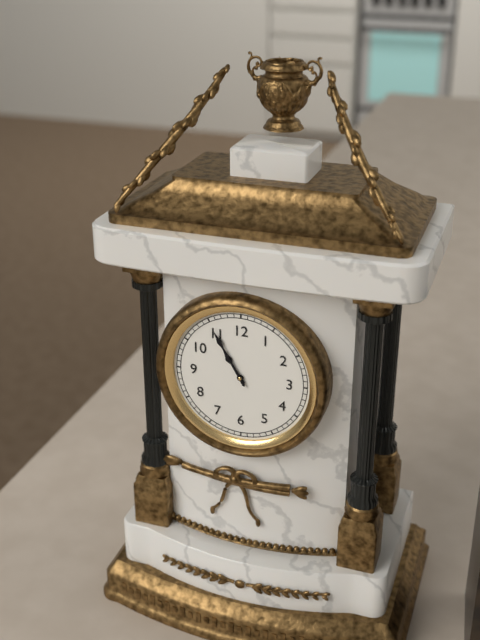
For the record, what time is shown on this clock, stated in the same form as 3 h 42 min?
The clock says 10 h 55 min
